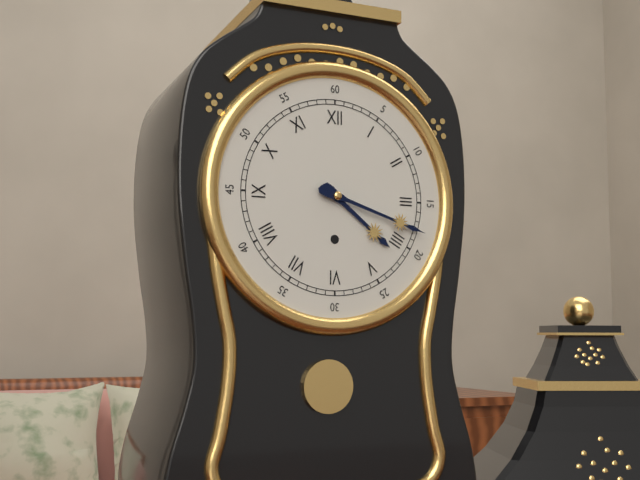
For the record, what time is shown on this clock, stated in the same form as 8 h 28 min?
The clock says 4 h 18 min
